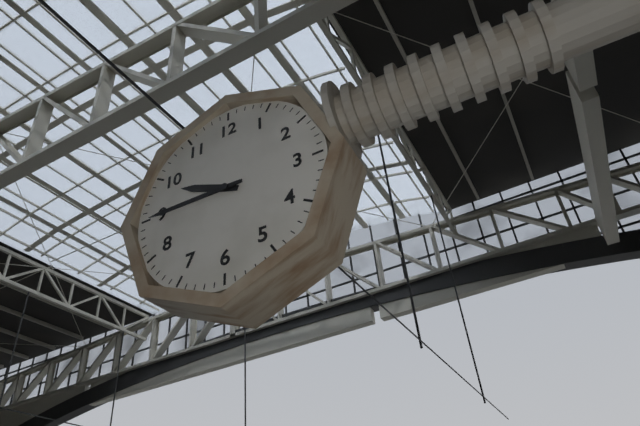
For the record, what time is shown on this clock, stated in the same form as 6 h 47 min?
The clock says 9 h 45 min
